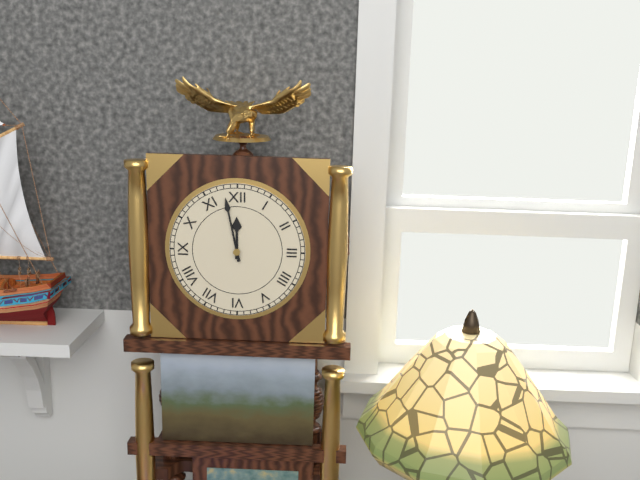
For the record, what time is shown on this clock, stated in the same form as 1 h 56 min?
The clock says 11 h 58 min
